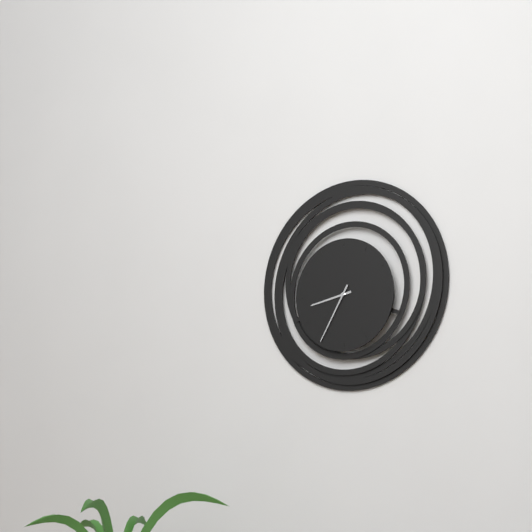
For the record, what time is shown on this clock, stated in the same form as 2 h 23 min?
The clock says 8 h 35 min
